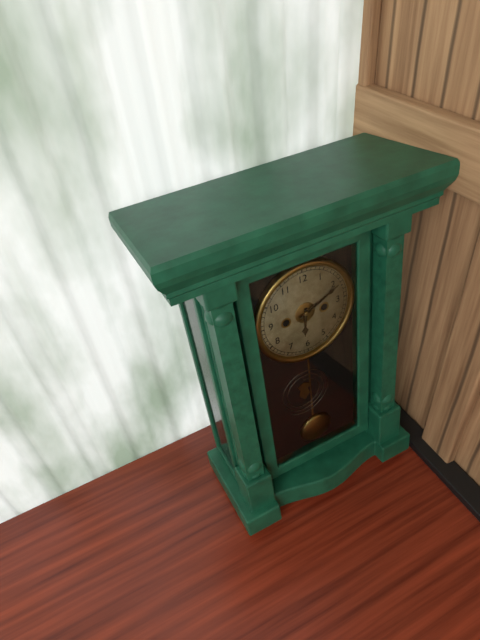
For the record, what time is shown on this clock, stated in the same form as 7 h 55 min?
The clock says 6 h 11 min
